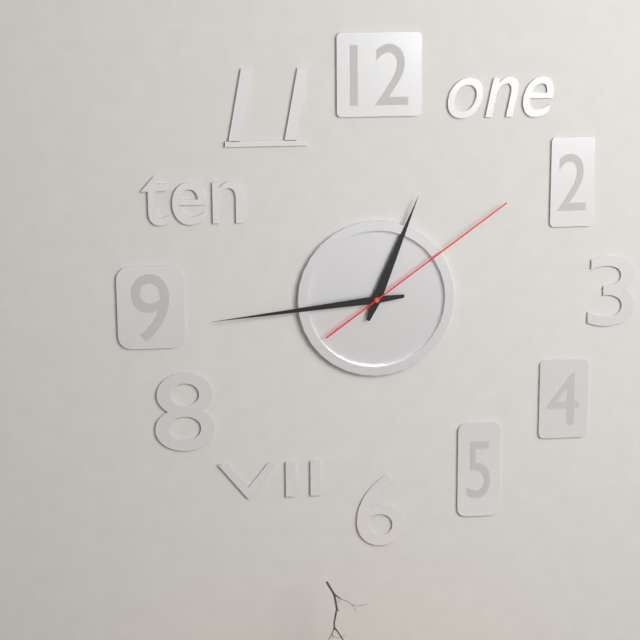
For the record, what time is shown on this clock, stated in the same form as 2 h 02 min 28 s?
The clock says 12 h 44 min 09 s
